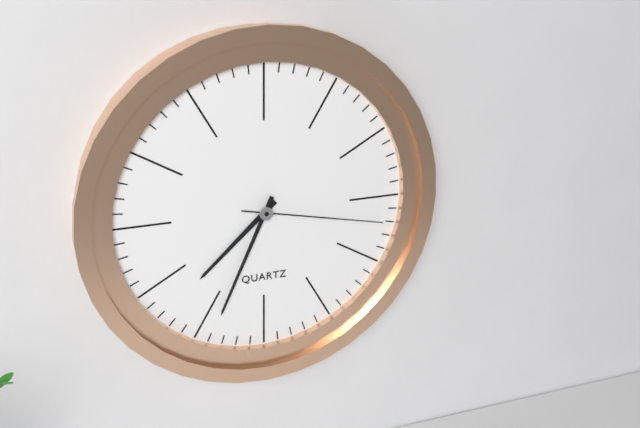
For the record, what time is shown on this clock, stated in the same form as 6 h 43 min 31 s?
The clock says 7 h 34 min 17 s
